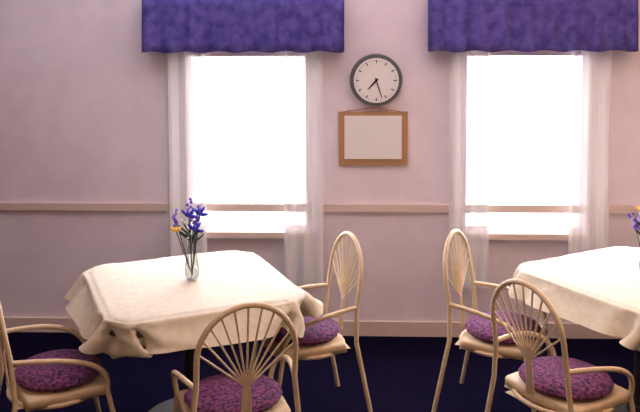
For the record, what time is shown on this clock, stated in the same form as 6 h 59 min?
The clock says 7 h 27 min
